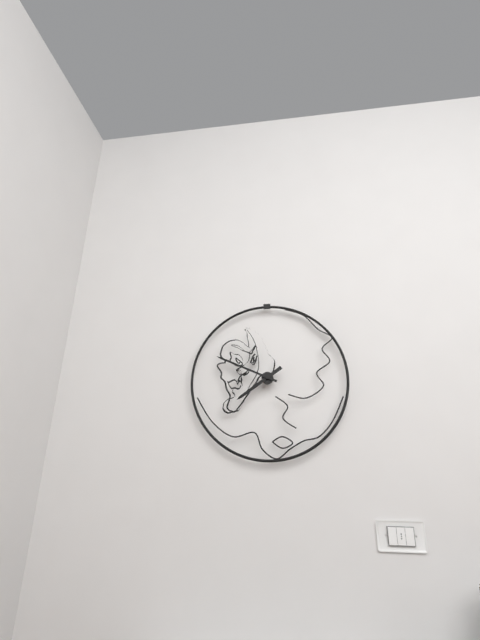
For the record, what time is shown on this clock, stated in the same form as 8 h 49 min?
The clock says 7 h 49 min
